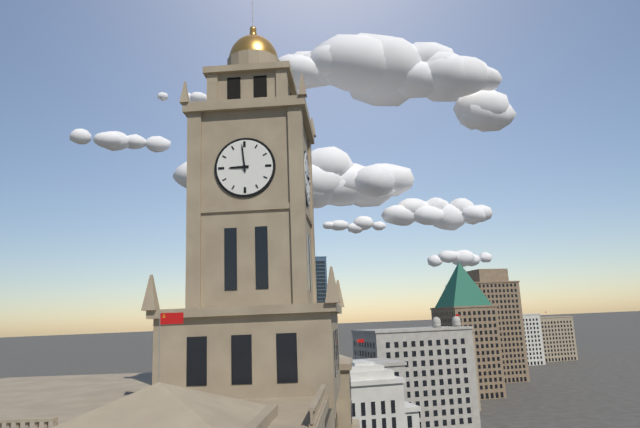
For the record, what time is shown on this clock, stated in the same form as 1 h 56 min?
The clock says 8 h 59 min
